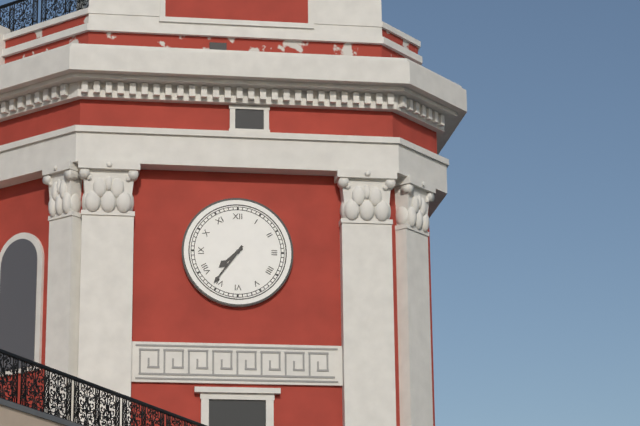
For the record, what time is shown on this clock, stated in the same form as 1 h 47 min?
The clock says 7 h 36 min
